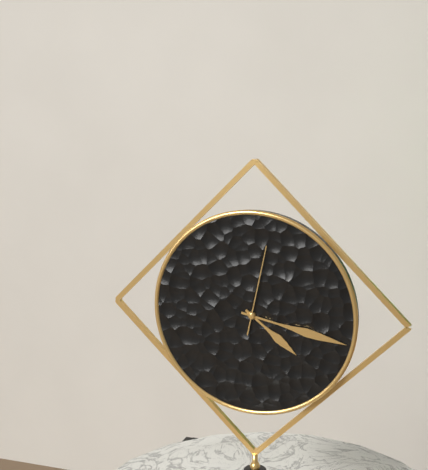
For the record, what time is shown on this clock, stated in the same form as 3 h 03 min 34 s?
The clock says 4 h 17 min 02 s
